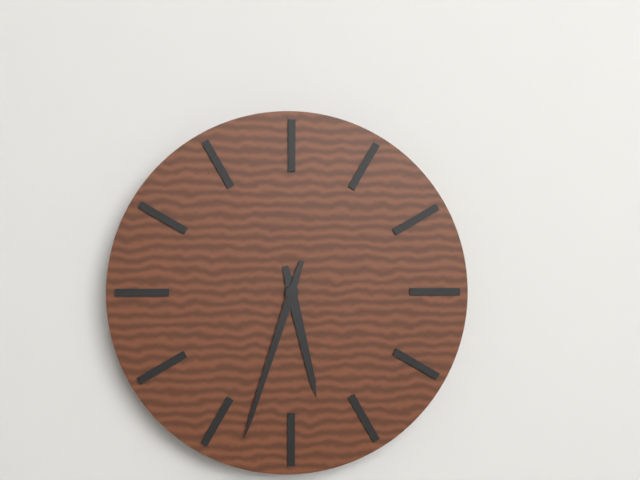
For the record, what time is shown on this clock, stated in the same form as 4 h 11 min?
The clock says 5 h 33 min
